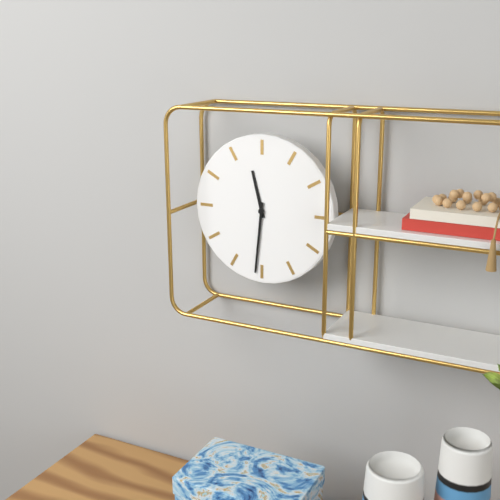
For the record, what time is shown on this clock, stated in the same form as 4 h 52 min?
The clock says 11 h 31 min
